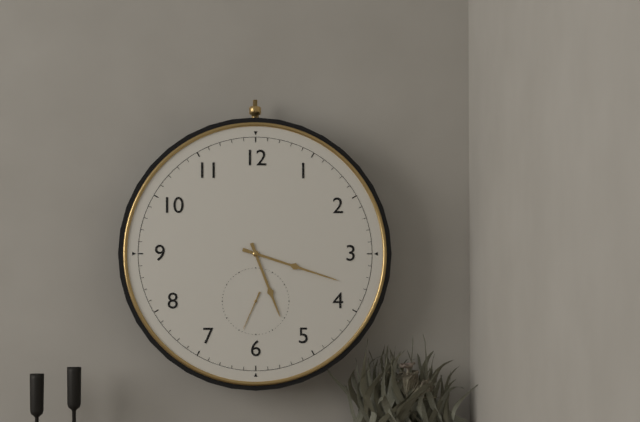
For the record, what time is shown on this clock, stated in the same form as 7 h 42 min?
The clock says 5 h 18 min
